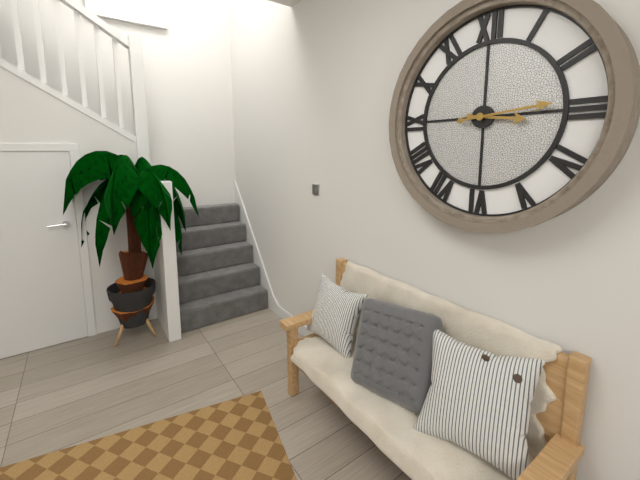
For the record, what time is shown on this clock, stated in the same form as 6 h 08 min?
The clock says 3 h 14 min
